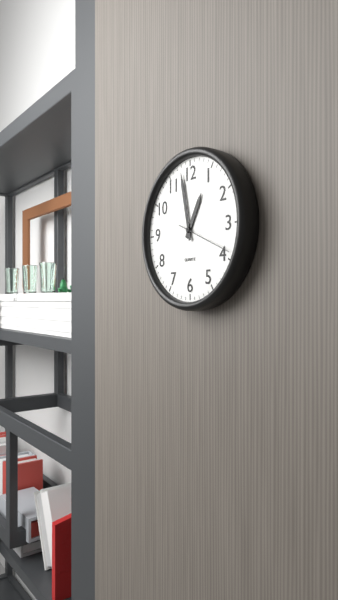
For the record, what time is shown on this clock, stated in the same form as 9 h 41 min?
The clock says 12 h 58 min
